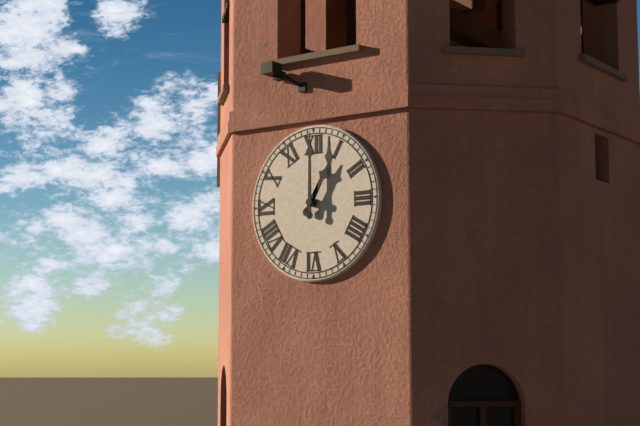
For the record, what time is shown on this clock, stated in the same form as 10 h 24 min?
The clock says 1 h 00 min
